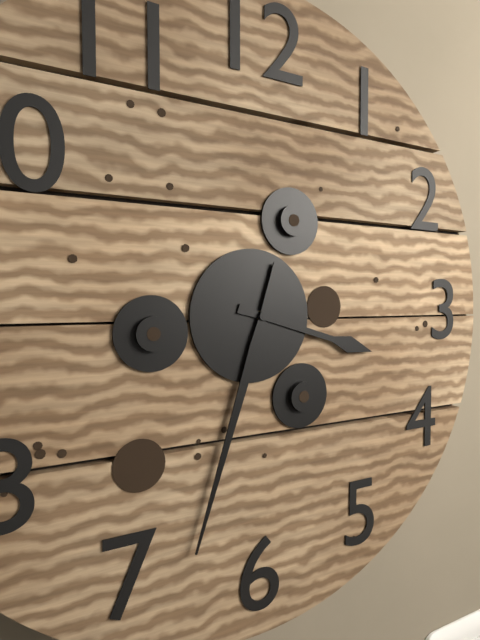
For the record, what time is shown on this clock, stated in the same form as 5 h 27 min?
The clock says 3 h 33 min
